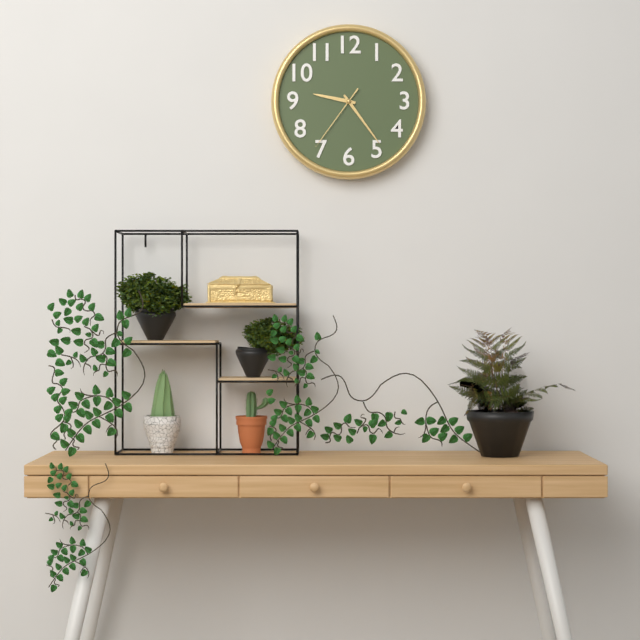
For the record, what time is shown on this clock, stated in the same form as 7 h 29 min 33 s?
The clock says 9 h 24 min 36 s
